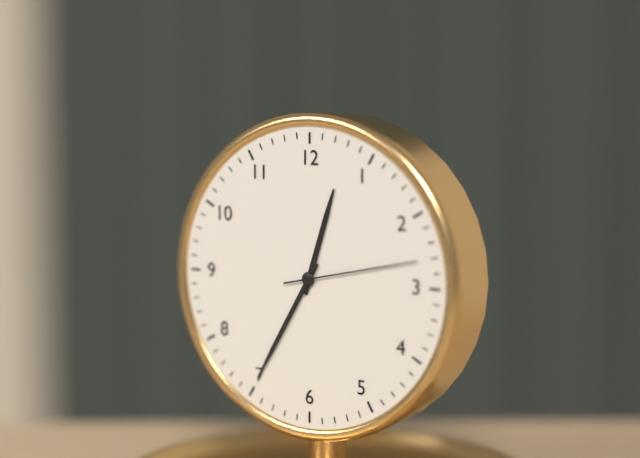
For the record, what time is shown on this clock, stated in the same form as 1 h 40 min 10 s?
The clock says 12 h 35 min 13 s
